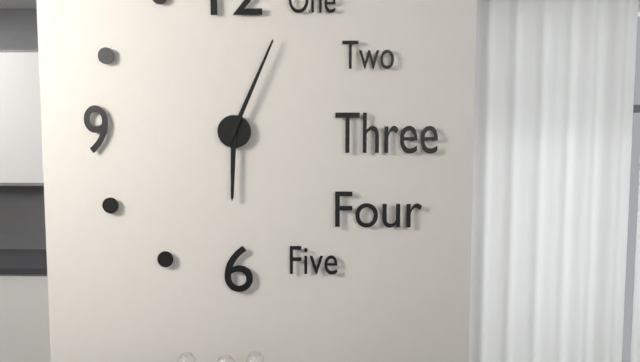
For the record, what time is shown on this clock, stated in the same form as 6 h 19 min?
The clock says 6 h 04 min
